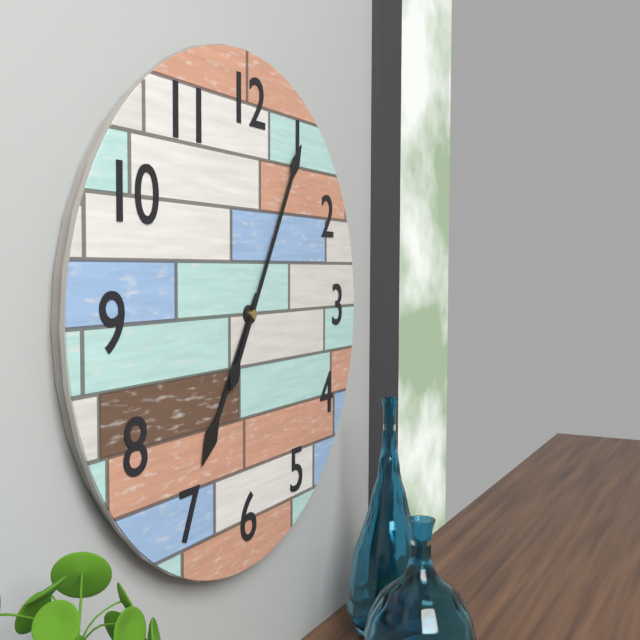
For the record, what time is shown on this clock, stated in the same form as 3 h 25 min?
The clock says 7 h 05 min
